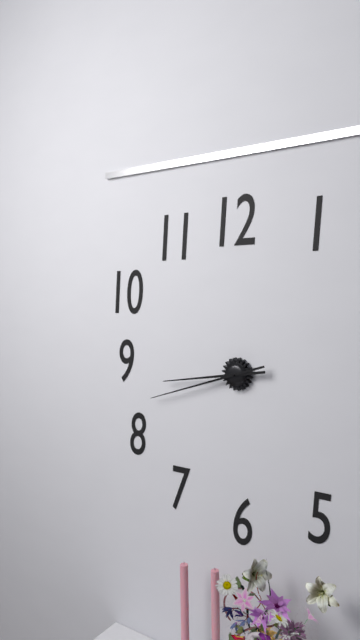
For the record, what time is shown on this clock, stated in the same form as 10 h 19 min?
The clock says 8 h 42 min
